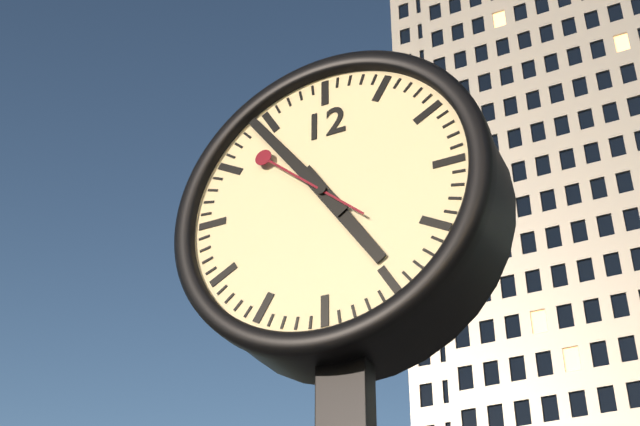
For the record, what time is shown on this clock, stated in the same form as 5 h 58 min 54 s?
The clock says 4 h 54 min 52 s
